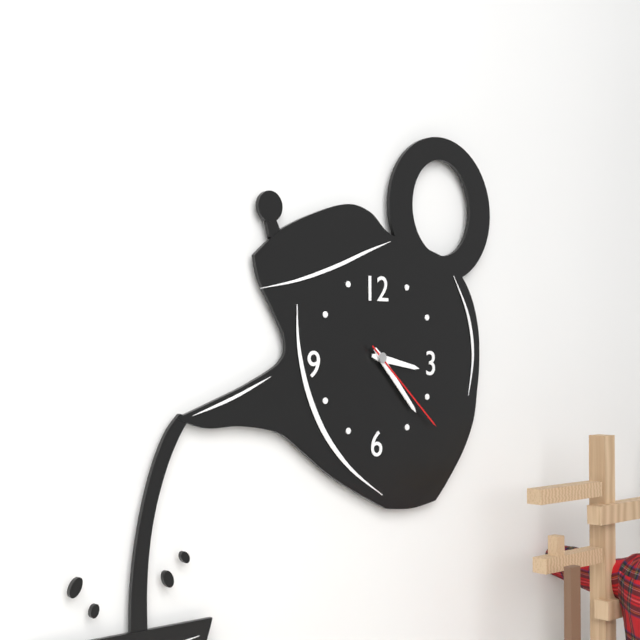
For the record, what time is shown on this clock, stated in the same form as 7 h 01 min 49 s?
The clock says 3 h 23 min 22 s
